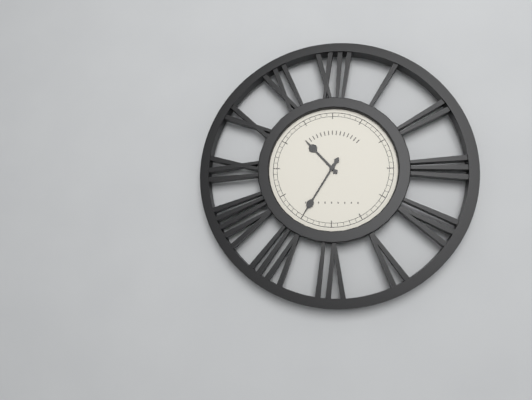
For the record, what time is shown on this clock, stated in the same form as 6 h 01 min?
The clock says 10 h 35 min
